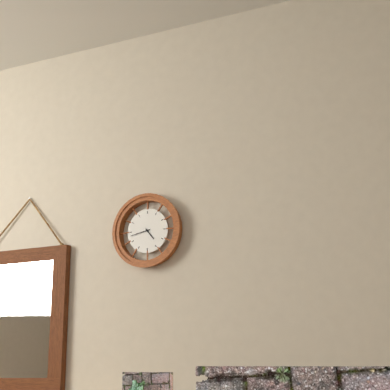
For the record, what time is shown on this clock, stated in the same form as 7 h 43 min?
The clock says 4 h 43 min
